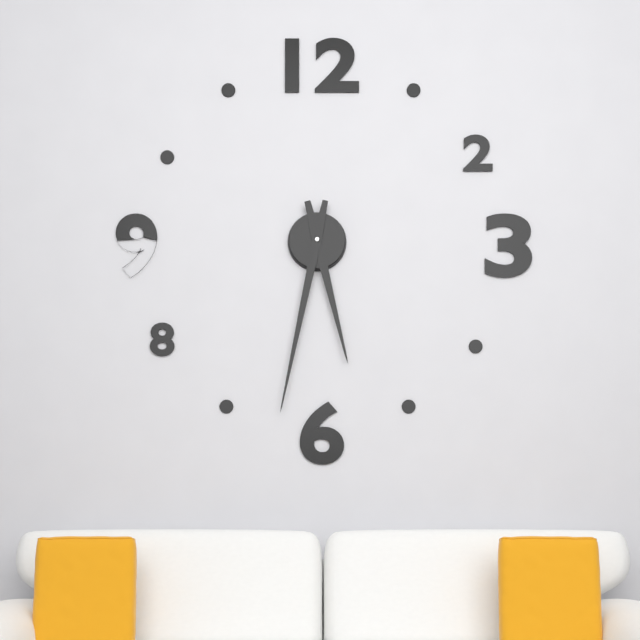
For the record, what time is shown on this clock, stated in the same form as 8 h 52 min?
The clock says 5 h 32 min
